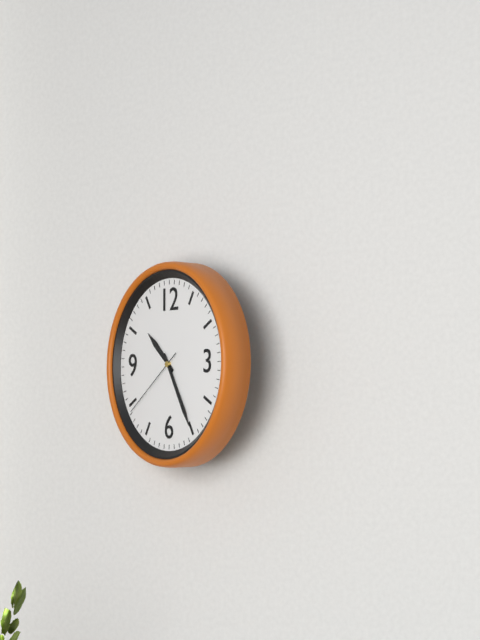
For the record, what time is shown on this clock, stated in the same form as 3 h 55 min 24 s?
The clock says 10 h 25 min 39 s
